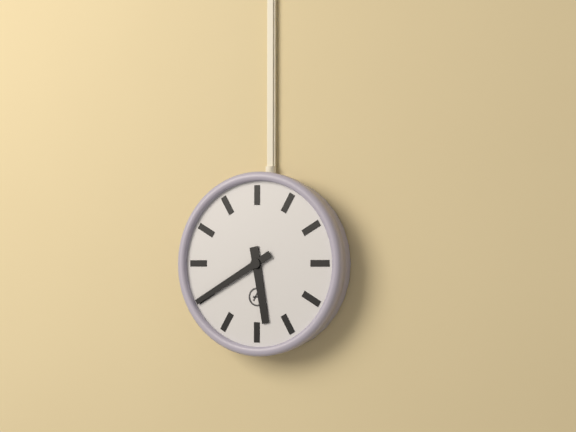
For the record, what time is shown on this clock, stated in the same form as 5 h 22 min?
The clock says 5 h 40 min
